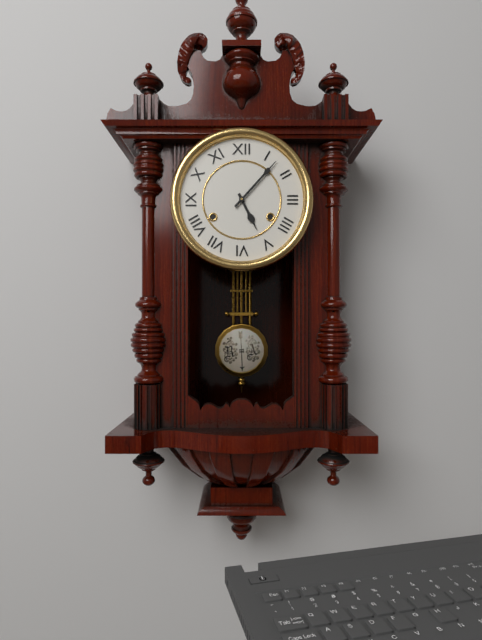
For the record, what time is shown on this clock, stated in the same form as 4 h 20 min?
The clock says 5 h 07 min
